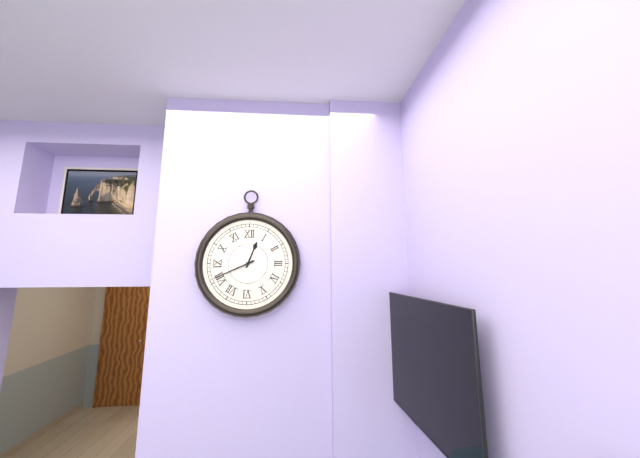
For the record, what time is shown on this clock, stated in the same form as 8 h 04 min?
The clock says 12 h 41 min
